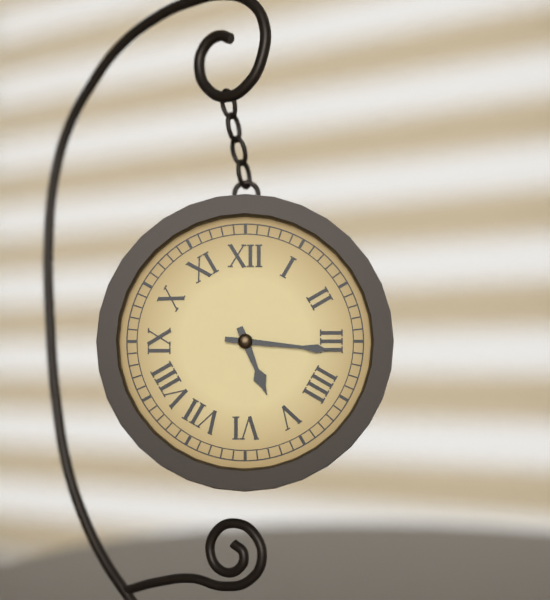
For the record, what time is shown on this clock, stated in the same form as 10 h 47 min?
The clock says 5 h 16 min
